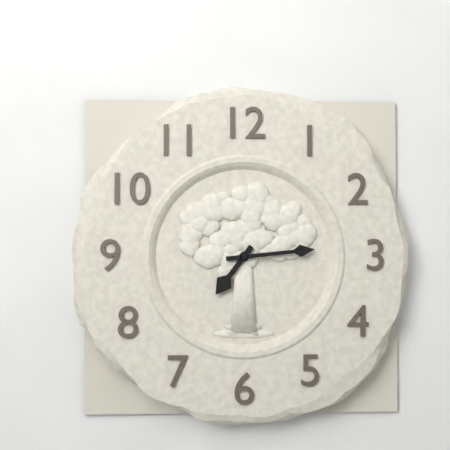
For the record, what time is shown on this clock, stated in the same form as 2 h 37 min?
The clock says 7 h 14 min
